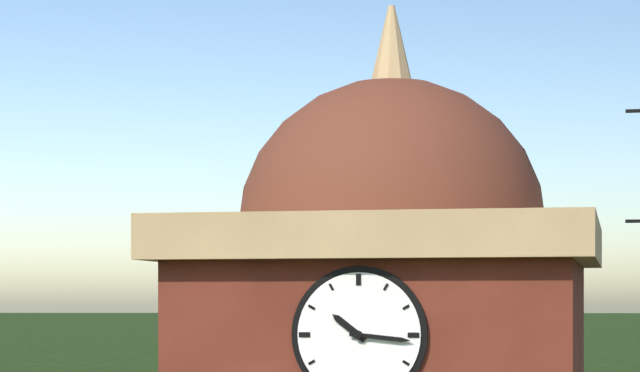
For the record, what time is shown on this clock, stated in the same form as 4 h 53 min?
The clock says 10 h 16 min
